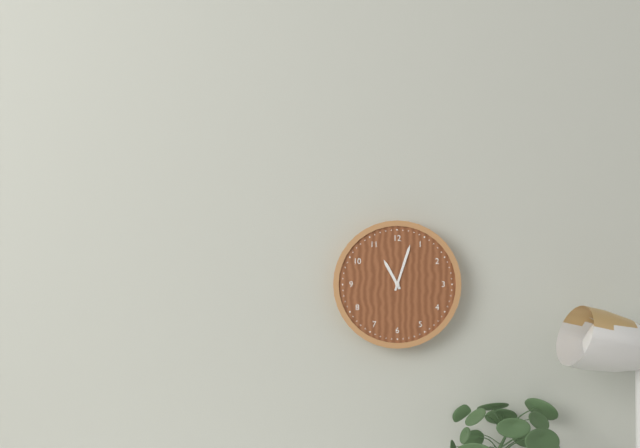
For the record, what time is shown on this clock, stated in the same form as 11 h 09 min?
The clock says 11 h 03 min
